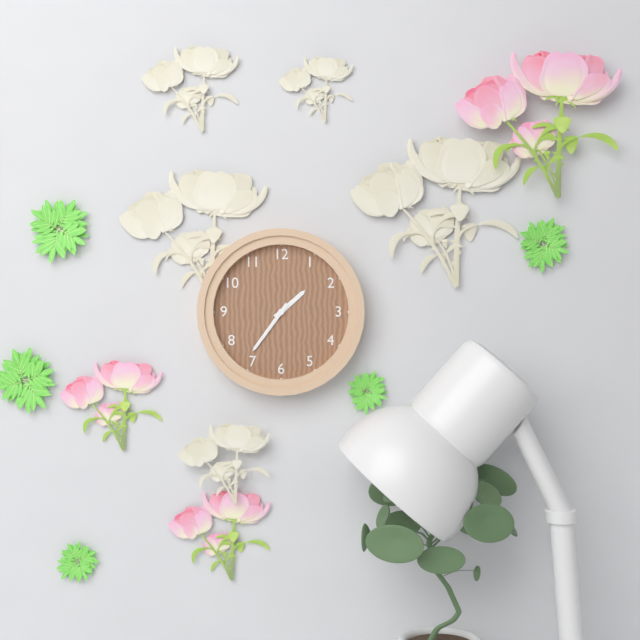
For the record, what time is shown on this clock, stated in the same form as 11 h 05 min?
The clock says 1 h 36 min
